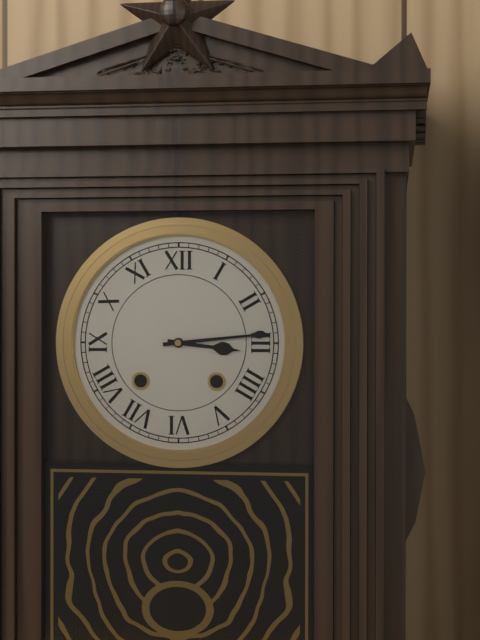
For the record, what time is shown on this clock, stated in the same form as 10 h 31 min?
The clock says 3 h 14 min
